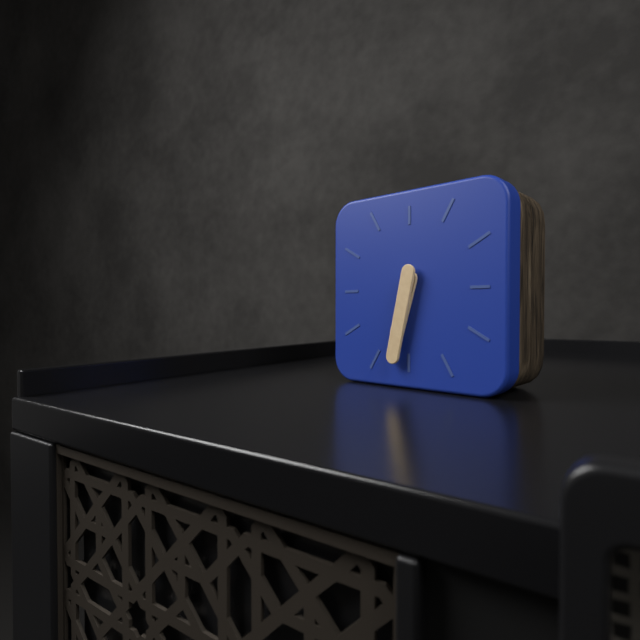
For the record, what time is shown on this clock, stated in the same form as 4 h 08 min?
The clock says 6 h 32 min
